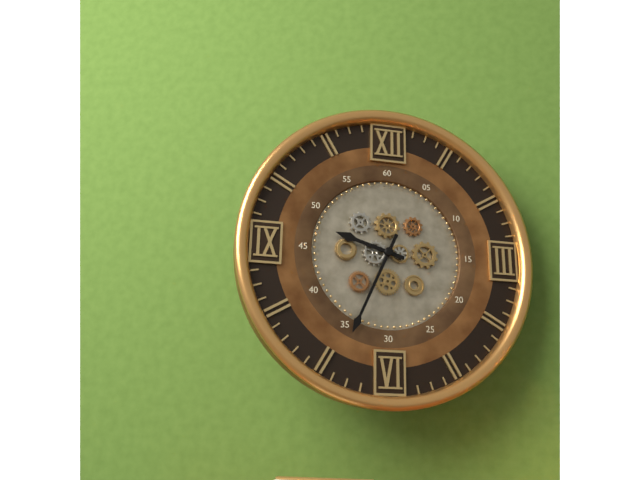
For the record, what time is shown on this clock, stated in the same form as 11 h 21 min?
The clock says 9 h 34 min
